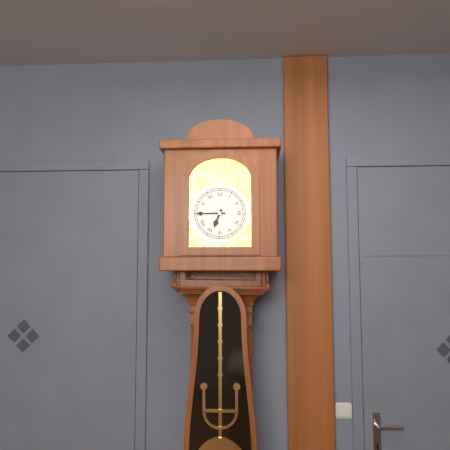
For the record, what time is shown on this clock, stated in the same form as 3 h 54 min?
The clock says 6 h 45 min
